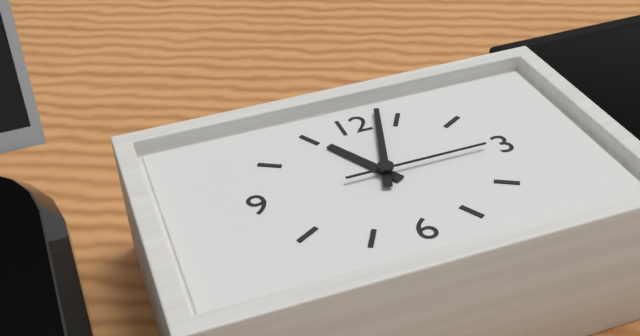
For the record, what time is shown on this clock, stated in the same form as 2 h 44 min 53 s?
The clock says 11 h 03 min 15 s
